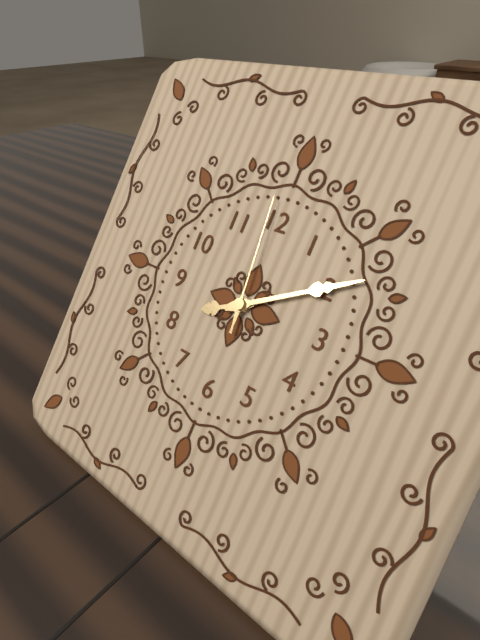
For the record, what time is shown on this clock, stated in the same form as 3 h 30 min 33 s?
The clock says 8 h 10 min 59 s
